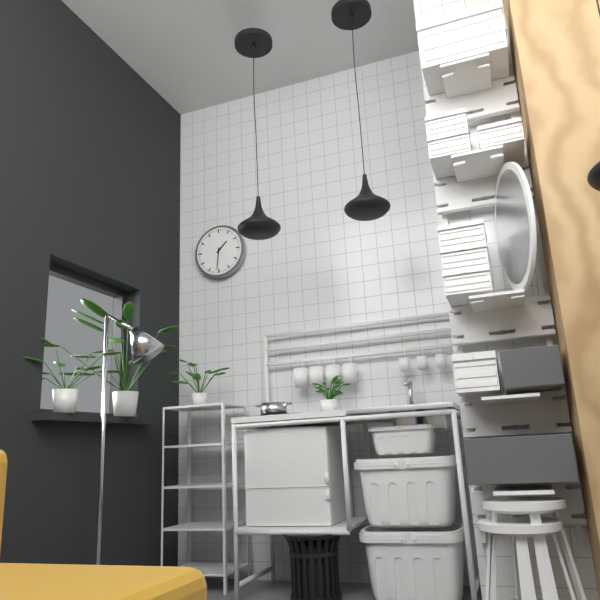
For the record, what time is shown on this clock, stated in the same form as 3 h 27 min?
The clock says 1 h 31 min
